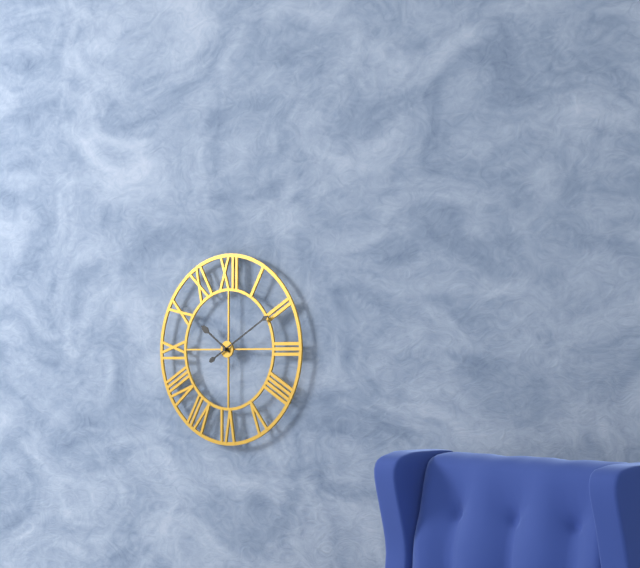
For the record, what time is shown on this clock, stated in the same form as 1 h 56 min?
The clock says 10 h 10 min
